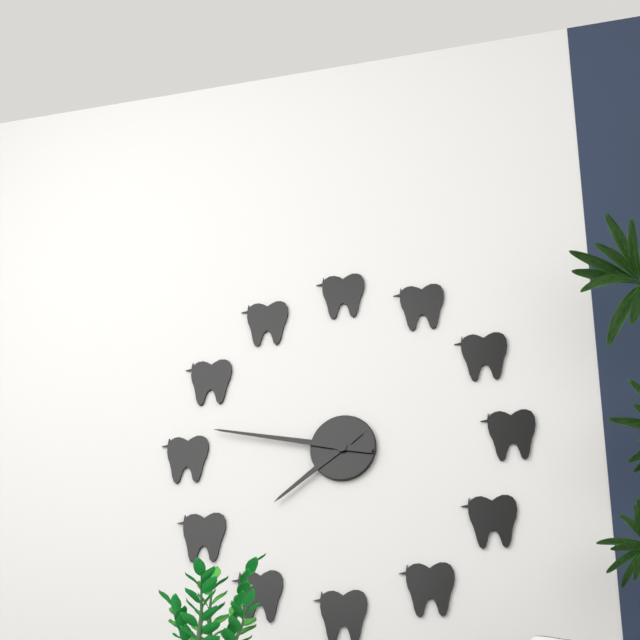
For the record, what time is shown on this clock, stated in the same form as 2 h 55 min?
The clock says 7 h 47 min
